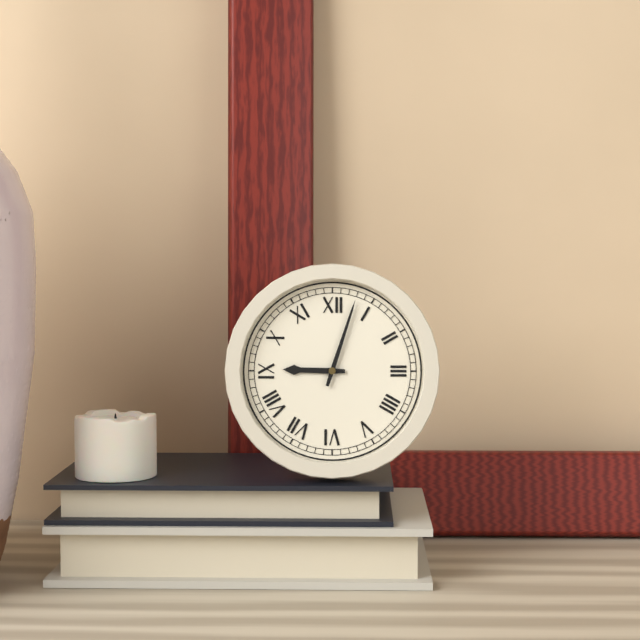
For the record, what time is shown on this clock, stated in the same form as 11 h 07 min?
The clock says 9 h 03 min
